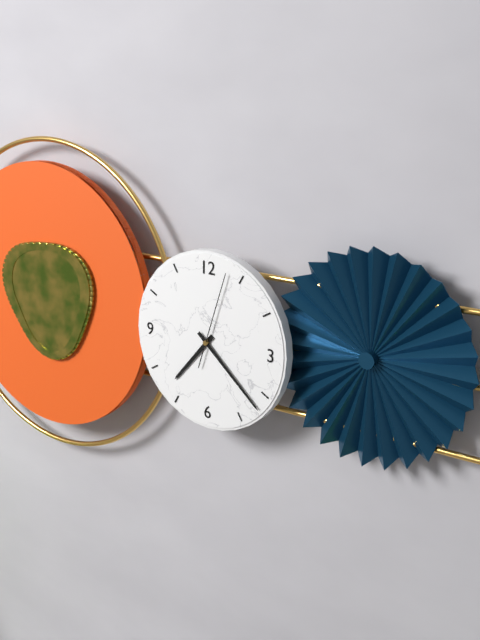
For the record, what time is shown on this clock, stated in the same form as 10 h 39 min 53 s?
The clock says 7 h 22 min 03 s
